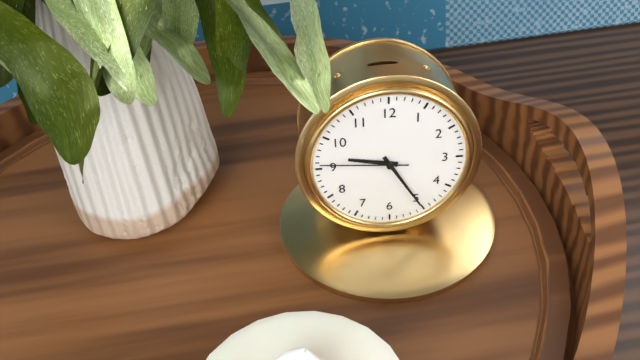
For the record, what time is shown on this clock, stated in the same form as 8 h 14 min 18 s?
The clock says 9 h 25 min 46 s
